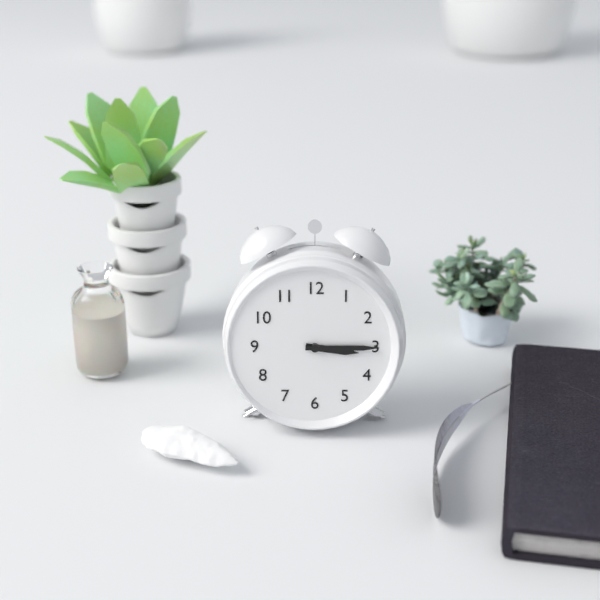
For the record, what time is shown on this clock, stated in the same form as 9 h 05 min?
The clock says 3 h 15 min
